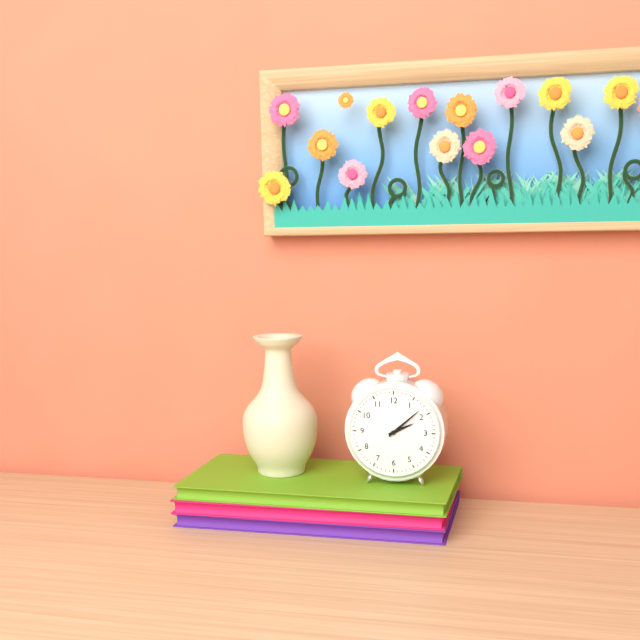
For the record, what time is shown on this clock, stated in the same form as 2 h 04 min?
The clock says 2 h 08 min
